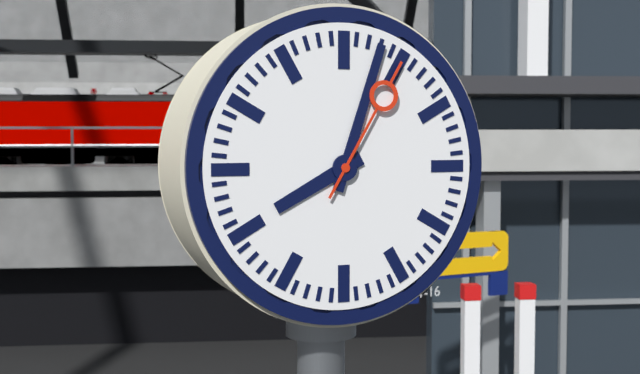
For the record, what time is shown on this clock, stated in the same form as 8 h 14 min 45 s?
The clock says 8 h 03 min 05 s
